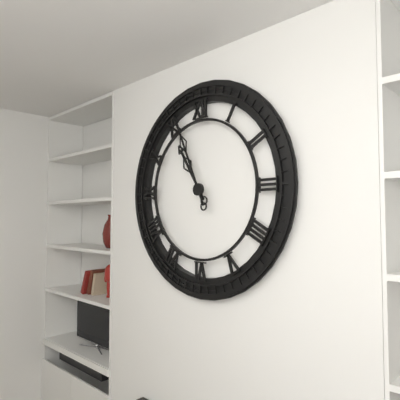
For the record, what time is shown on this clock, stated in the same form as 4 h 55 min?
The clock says 10 h 56 min
